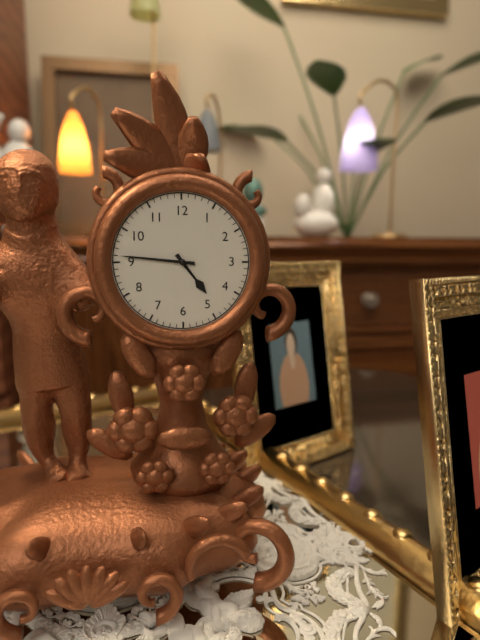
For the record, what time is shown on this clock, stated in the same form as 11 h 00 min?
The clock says 4 h 46 min
